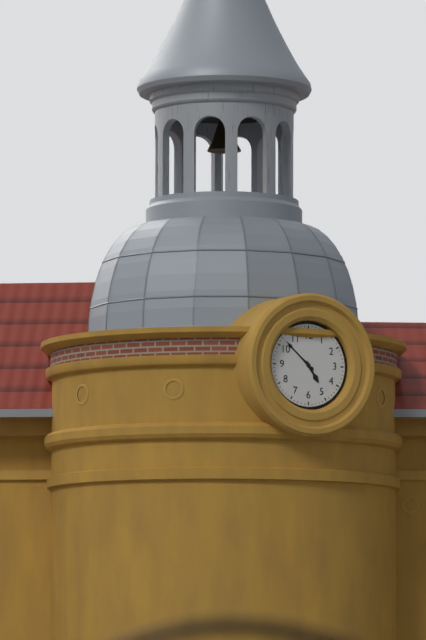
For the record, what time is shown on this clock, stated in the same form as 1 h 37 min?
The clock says 4 h 52 min
